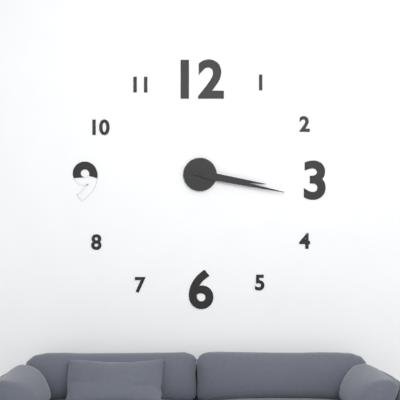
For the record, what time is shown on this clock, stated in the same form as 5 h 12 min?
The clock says 3 h 17 min
